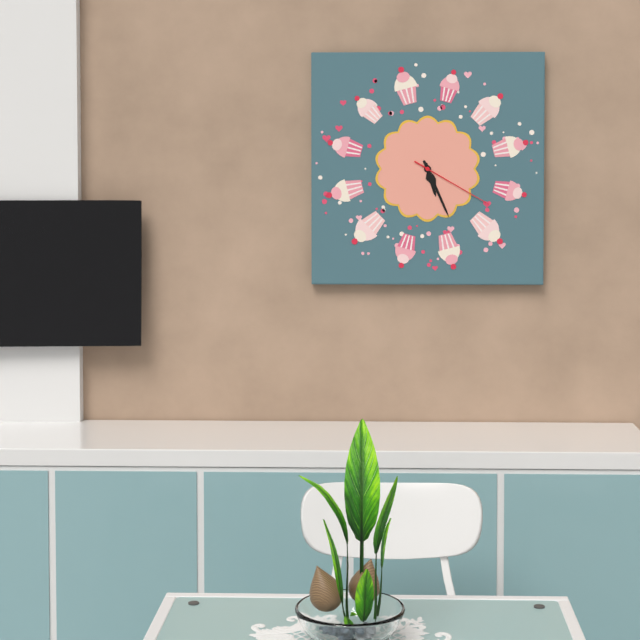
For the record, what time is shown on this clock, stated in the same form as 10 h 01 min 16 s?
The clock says 5 h 26 min 20 s
